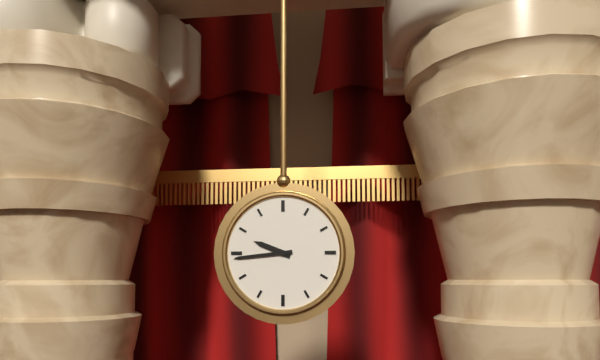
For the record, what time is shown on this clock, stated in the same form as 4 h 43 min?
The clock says 9 h 44 min
